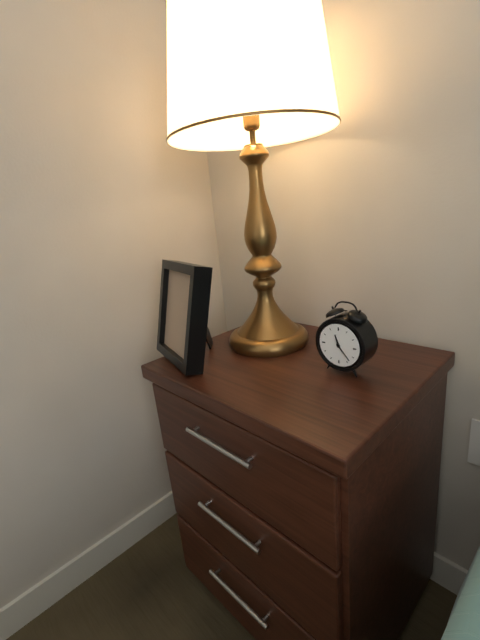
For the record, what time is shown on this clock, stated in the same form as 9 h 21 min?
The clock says 11 h 23 min
